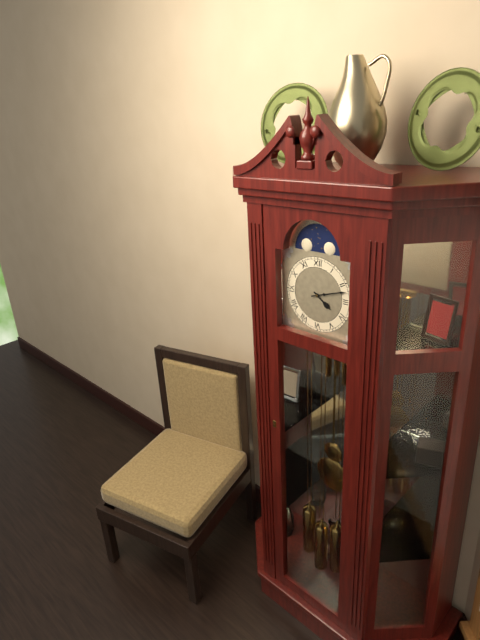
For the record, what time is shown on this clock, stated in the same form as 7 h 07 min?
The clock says 4 h 12 min
